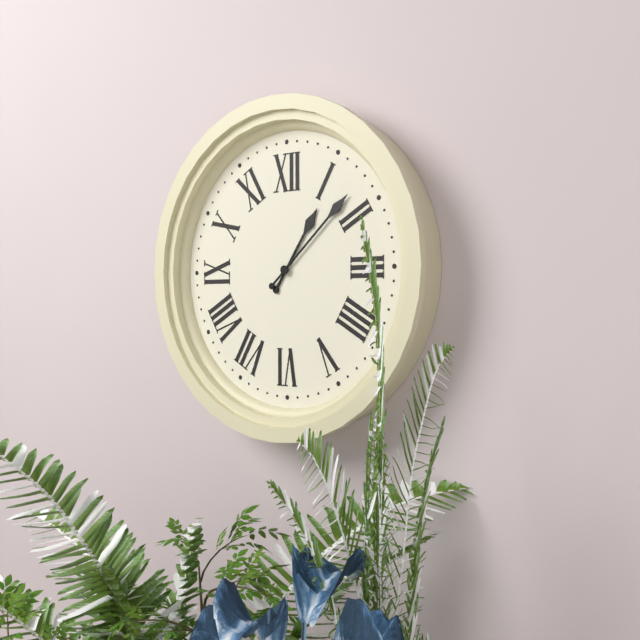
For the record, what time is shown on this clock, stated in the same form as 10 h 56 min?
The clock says 1 h 08 min
